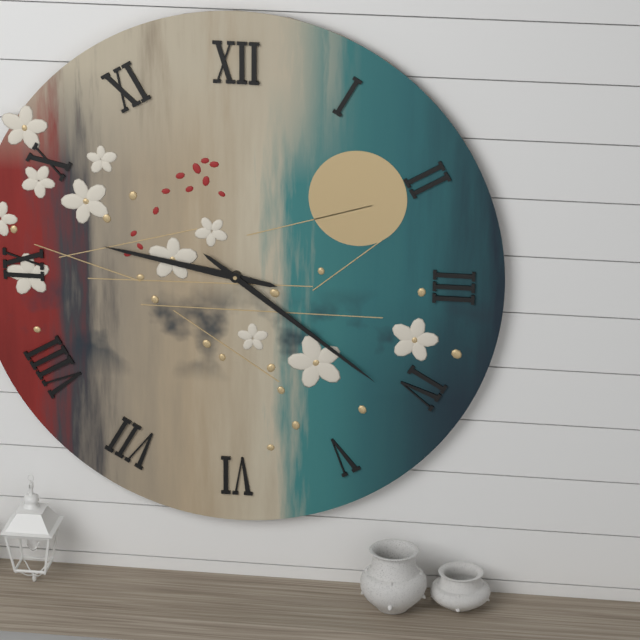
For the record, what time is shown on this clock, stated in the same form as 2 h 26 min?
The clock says 9 h 21 min
